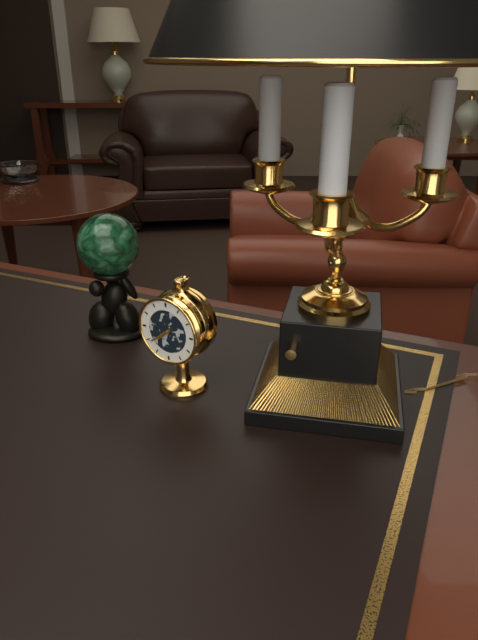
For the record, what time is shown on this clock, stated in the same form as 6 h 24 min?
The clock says 7 h 39 min
